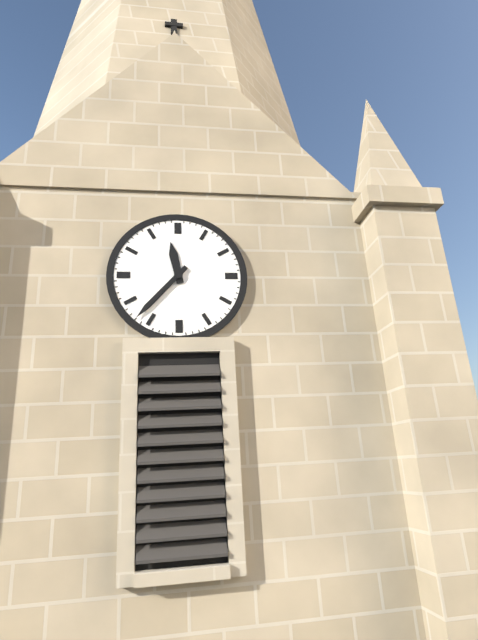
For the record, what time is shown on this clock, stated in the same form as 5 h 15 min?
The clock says 11 h 37 min
